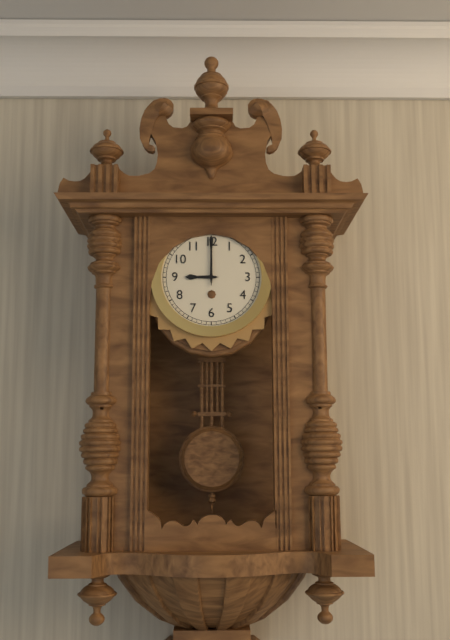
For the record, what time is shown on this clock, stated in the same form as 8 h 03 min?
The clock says 9 h 00 min
